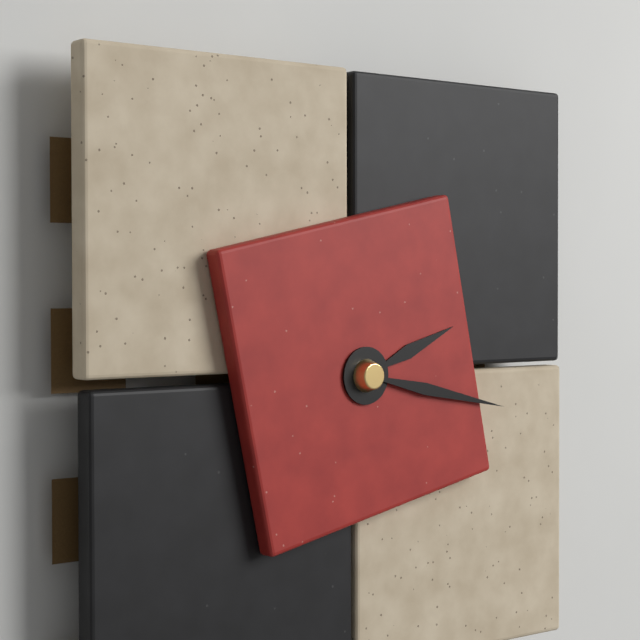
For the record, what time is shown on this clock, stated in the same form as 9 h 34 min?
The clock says 2 h 17 min
